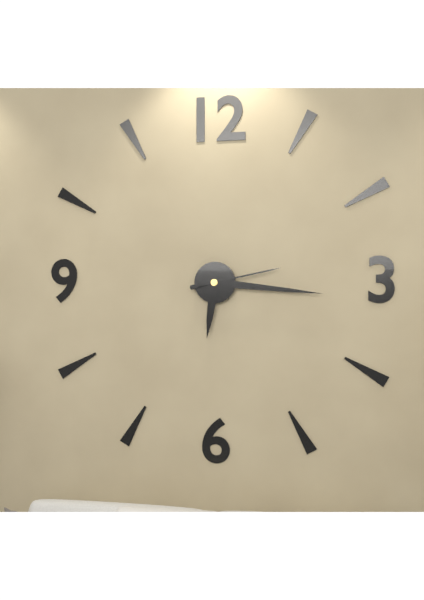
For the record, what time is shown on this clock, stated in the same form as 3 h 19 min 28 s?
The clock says 6 h 16 min 13 s
